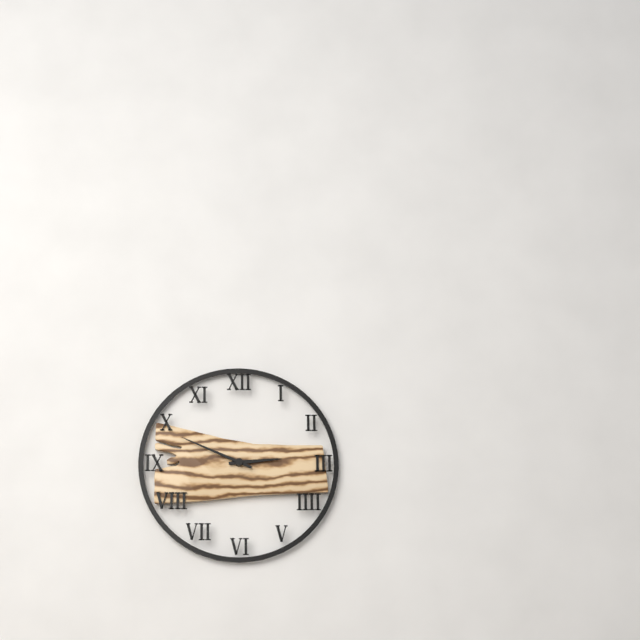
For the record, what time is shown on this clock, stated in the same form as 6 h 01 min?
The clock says 2 h 49 min
